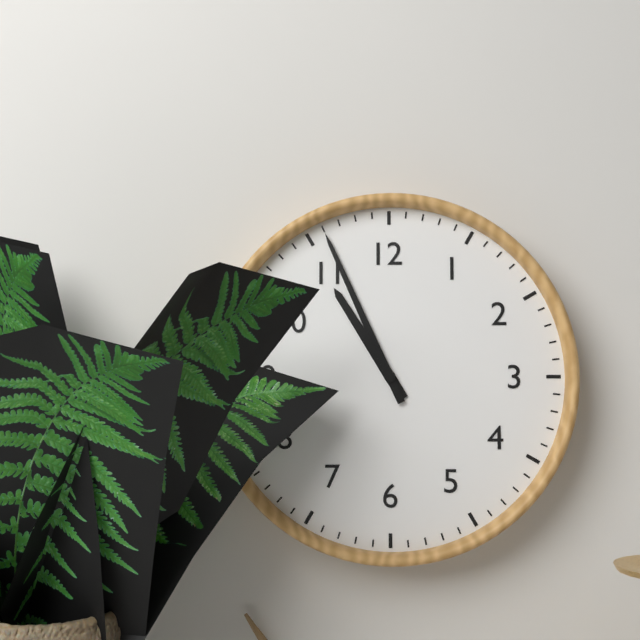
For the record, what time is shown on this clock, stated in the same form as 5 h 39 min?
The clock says 10 h 56 min
